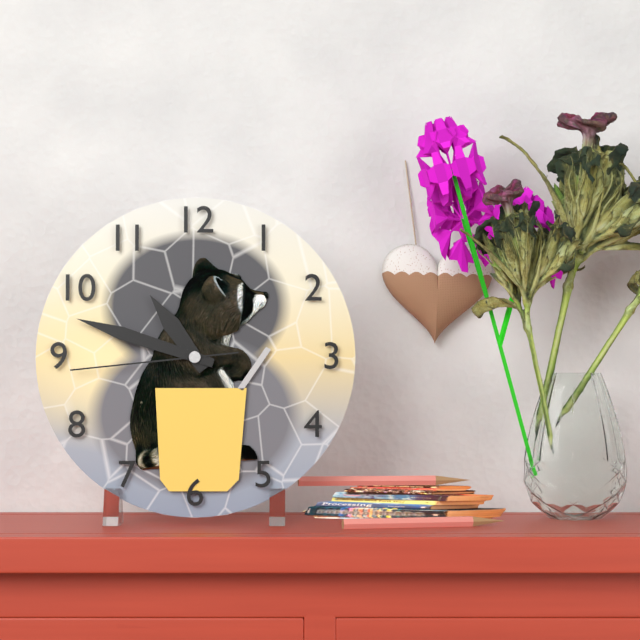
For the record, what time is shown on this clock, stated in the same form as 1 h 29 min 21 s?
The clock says 10 h 48 min 44 s
